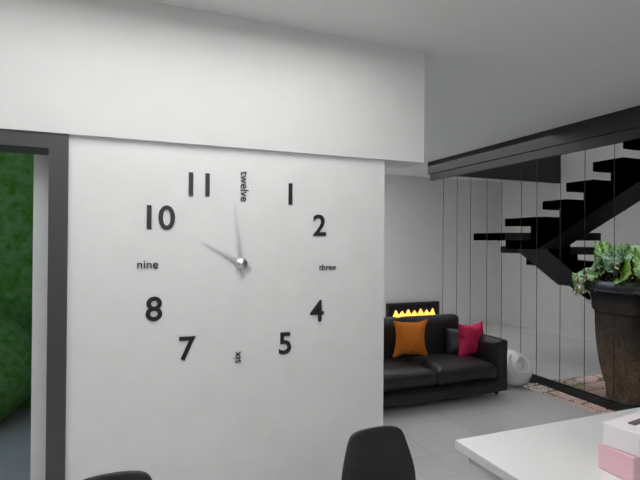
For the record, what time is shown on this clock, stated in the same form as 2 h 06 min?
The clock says 9 h 59 min
